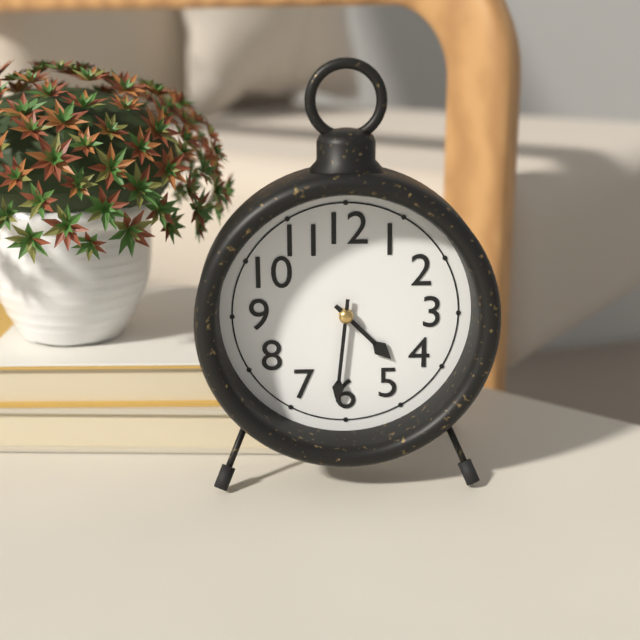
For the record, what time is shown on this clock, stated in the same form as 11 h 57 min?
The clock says 4 h 31 min
